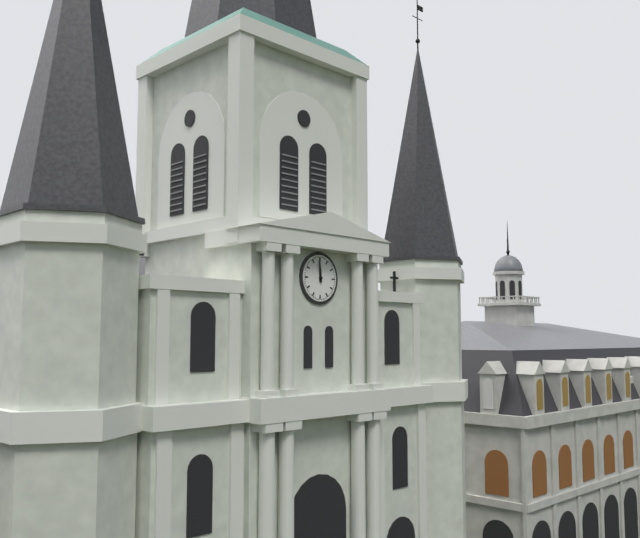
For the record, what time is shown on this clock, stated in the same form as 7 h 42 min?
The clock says 11 h 59 min
